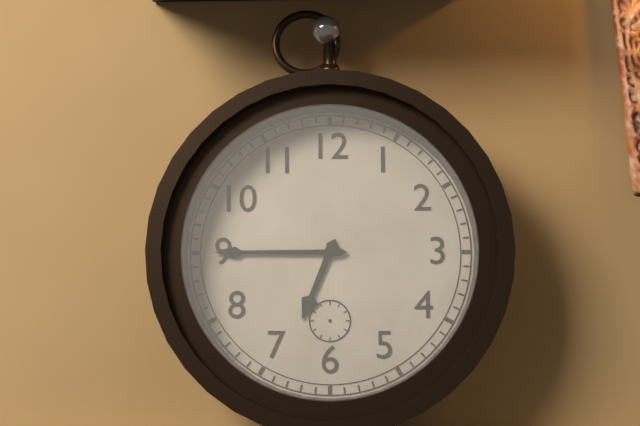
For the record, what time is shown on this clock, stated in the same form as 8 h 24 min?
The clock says 6 h 45 min
